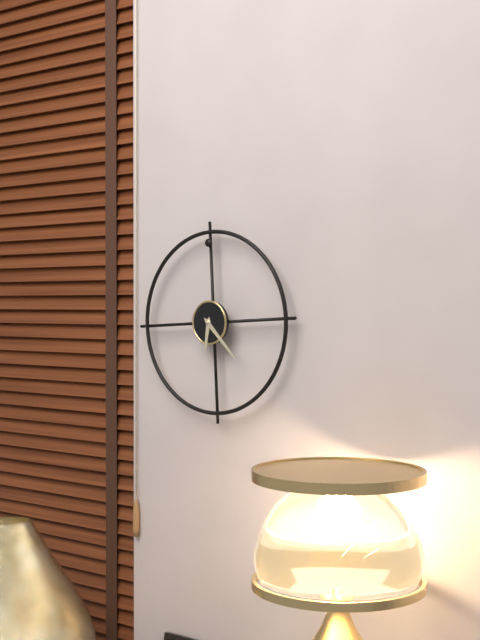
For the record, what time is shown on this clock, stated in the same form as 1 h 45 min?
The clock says 6 h 23 min
